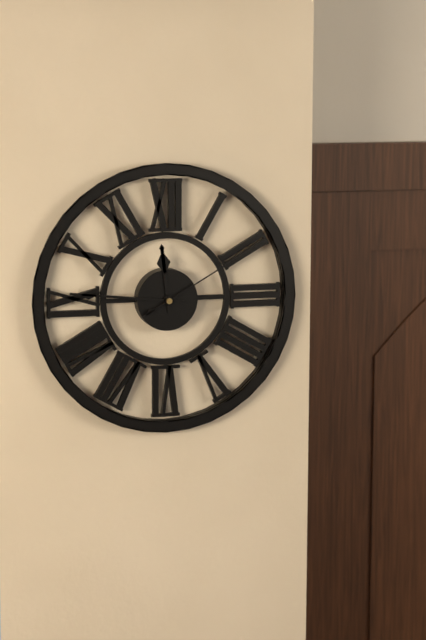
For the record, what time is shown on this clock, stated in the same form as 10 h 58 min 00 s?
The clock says 11 h 46 min 10 s
